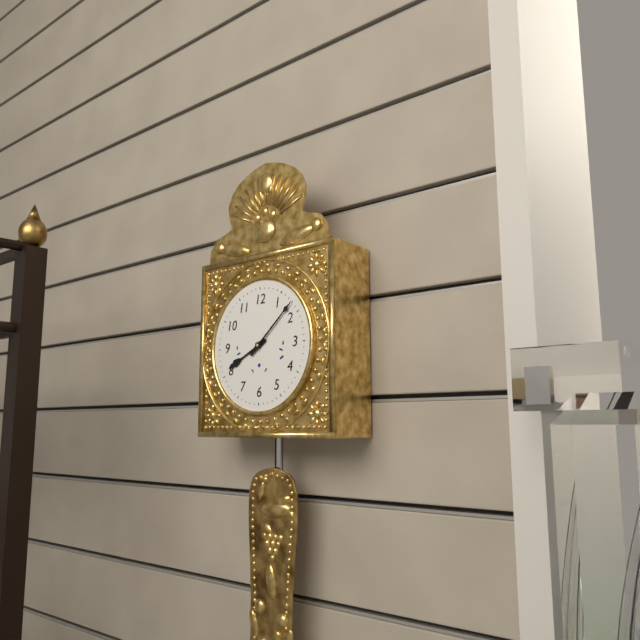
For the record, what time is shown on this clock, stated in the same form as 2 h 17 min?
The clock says 8 h 08 min
